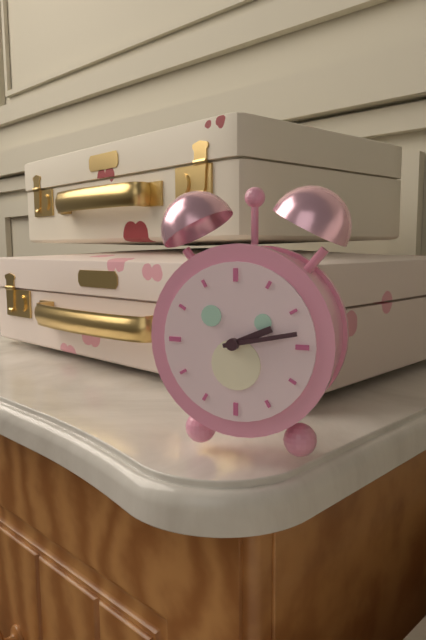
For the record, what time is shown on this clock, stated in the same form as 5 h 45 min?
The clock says 2 h 13 min
